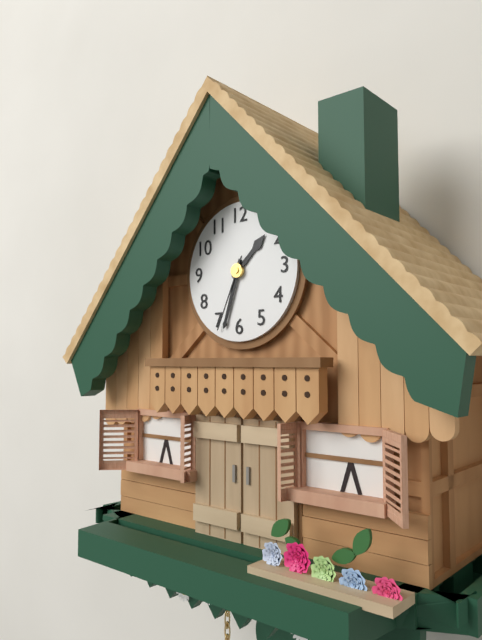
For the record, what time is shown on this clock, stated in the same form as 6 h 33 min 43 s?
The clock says 1 h 33 min 34 s
